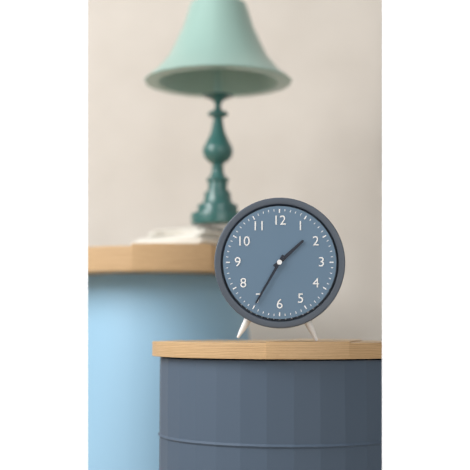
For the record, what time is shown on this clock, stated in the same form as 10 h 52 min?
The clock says 1 h 35 min
